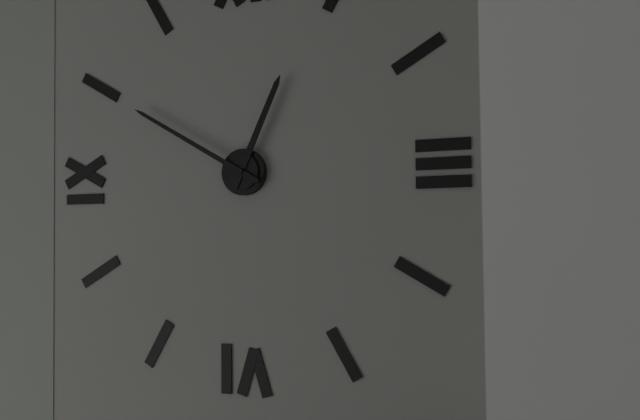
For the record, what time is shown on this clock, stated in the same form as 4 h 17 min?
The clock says 12 h 50 min
